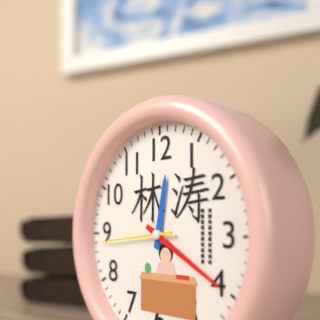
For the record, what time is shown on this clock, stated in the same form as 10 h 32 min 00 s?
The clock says 12 h 20 min 44 s
